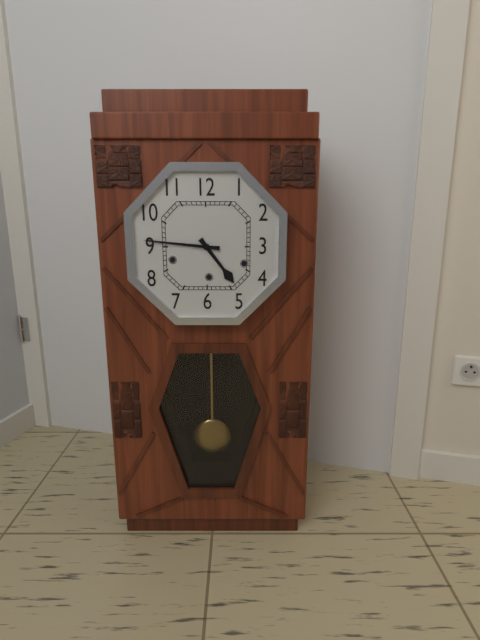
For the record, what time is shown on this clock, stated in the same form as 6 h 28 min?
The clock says 4 h 46 min
